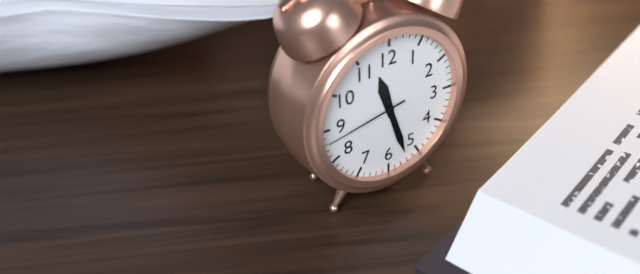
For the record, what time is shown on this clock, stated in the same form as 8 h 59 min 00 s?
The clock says 11 h 27 min 43 s
